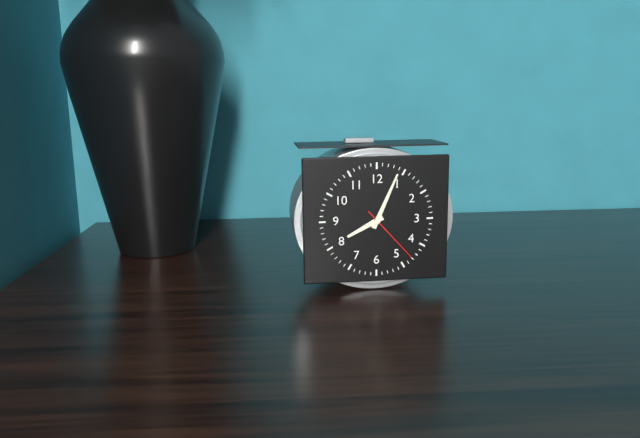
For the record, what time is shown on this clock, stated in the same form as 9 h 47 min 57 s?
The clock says 8 h 04 min 23 s
